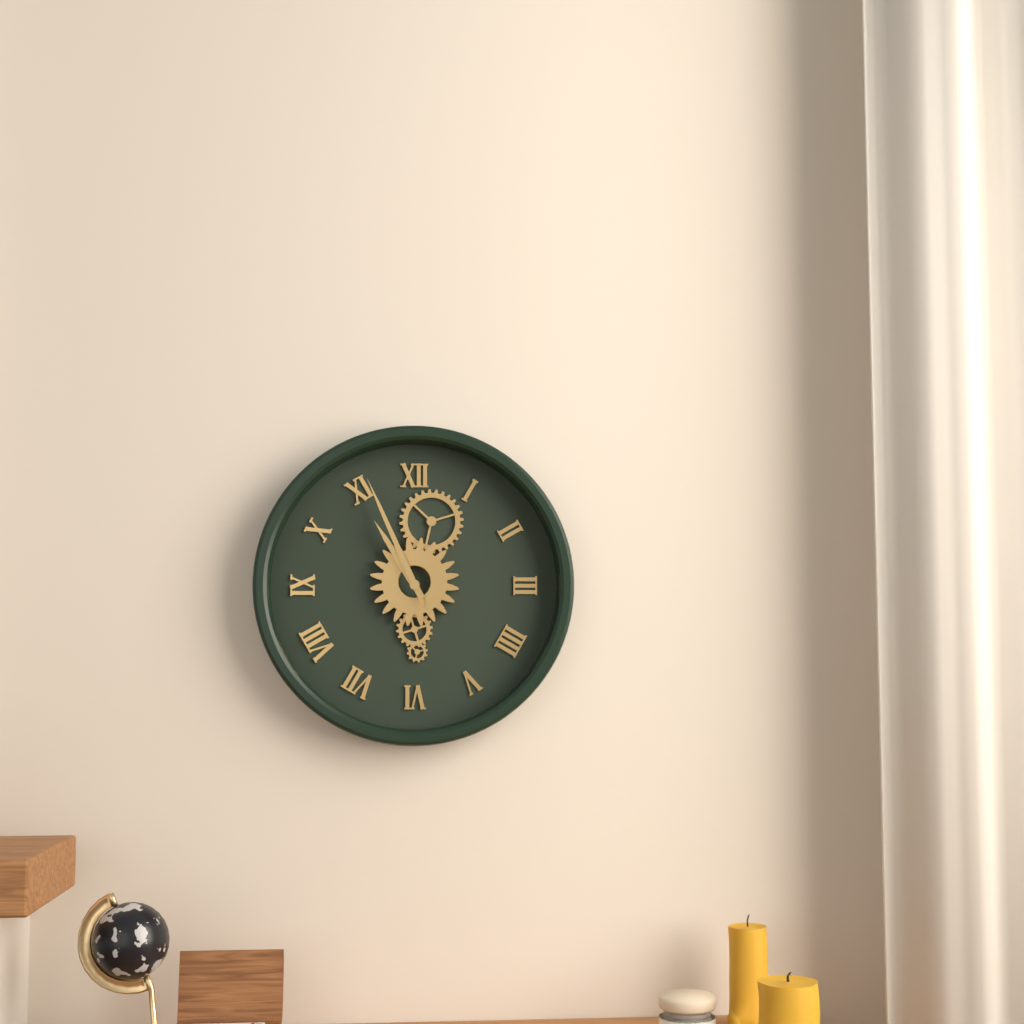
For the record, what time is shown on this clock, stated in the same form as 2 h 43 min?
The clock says 10 h 56 min
